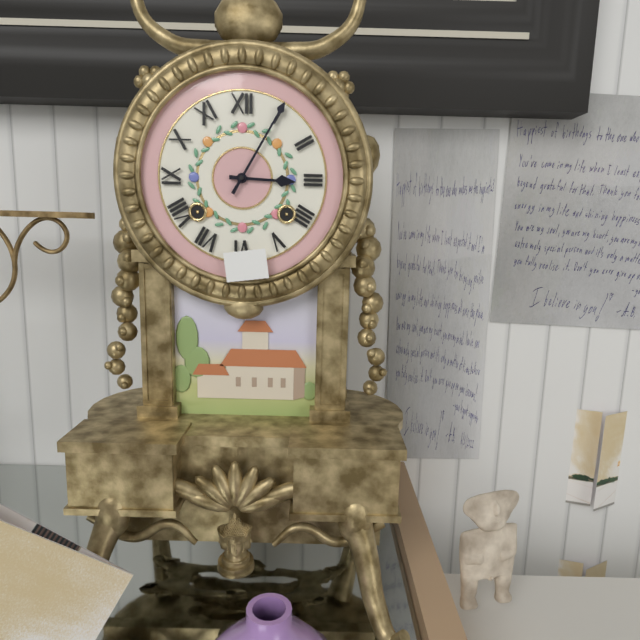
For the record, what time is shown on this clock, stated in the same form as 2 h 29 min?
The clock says 3 h 05 min
